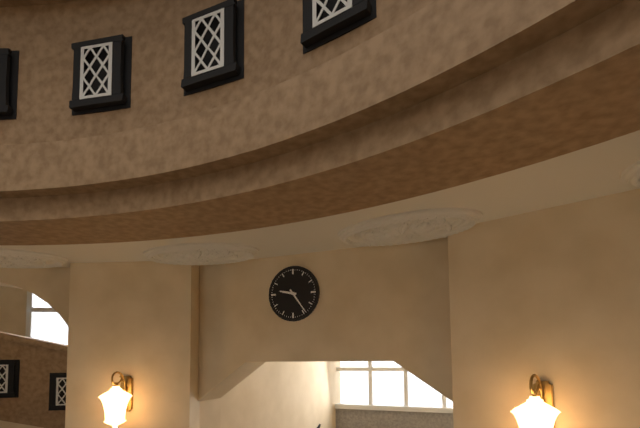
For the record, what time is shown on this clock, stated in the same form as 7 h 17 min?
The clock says 9 h 24 min
